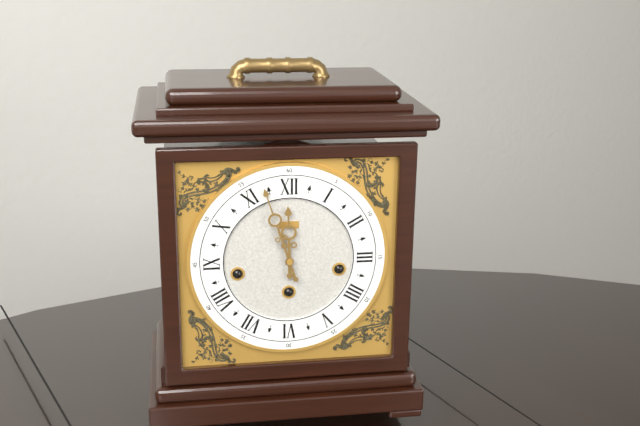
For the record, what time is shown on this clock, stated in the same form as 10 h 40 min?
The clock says 11 h 57 min
